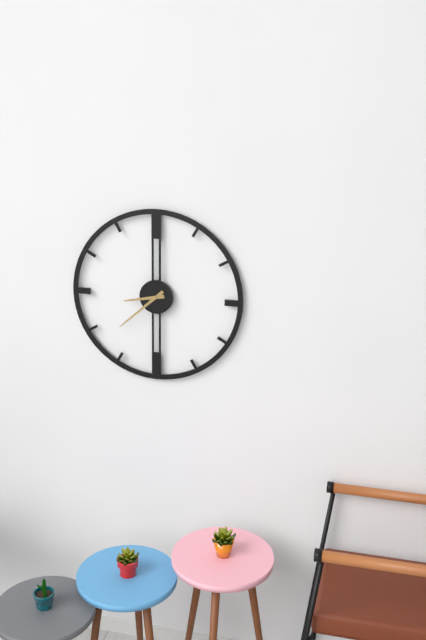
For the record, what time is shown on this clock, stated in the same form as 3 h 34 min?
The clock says 8 h 38 min
